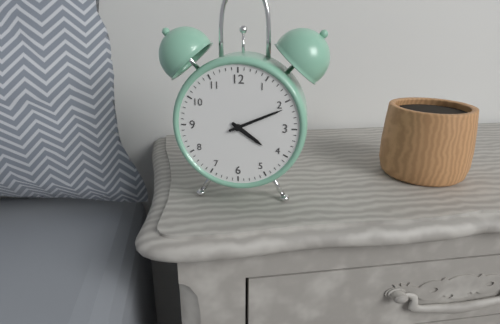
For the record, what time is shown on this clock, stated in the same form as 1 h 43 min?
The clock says 4 h 11 min
